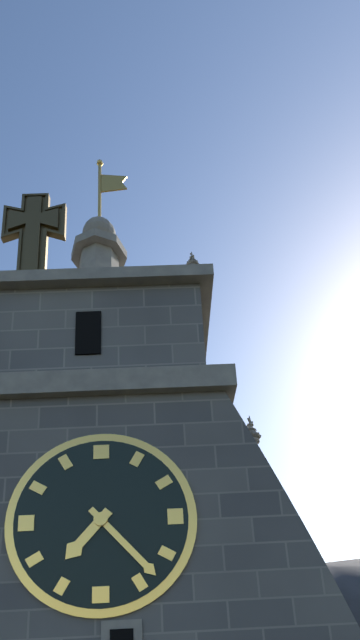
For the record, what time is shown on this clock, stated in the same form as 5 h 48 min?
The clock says 7 h 23 min
